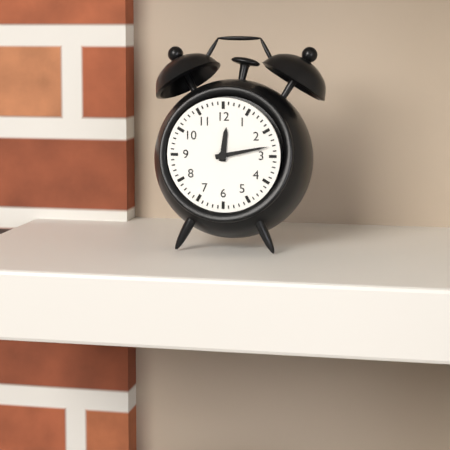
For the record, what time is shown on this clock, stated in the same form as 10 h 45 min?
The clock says 12 h 13 min
